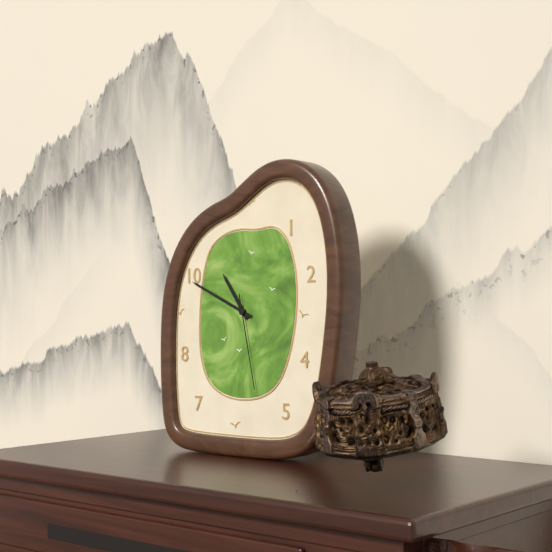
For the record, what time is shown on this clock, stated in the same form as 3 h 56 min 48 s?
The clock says 10 h 49 min 28 s
